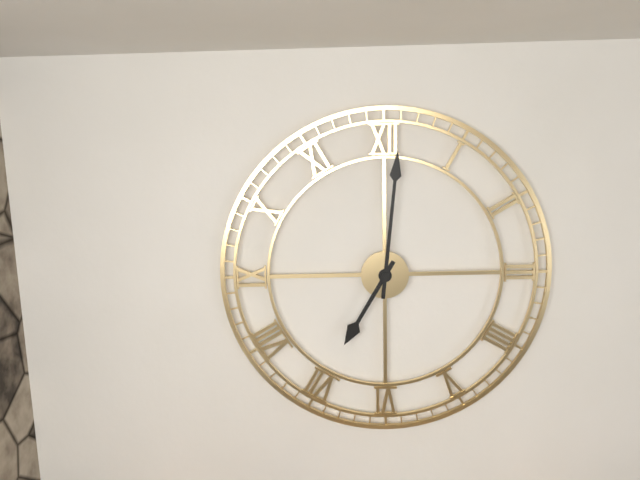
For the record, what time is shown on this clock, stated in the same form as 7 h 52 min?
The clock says 7 h 01 min
